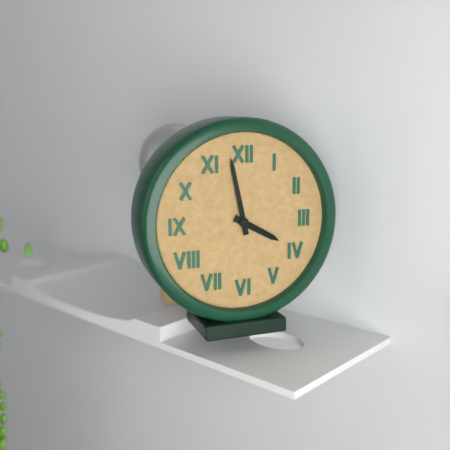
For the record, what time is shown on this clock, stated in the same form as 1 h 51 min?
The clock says 3 h 58 min
